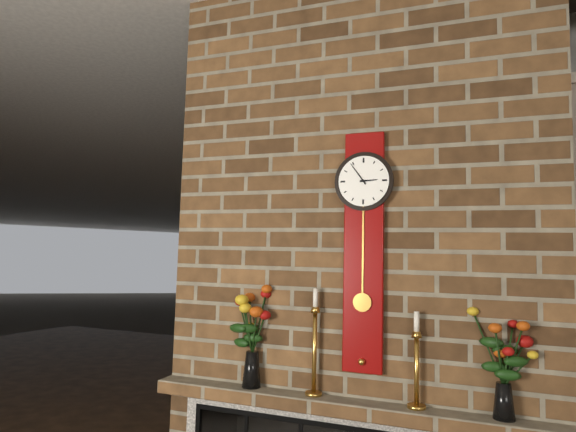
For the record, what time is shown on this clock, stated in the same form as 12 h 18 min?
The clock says 2 h 54 min
